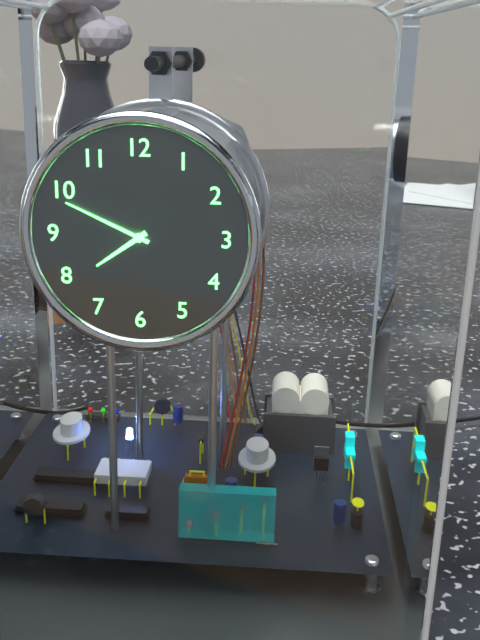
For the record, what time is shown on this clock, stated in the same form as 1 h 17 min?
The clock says 7 h 49 min
